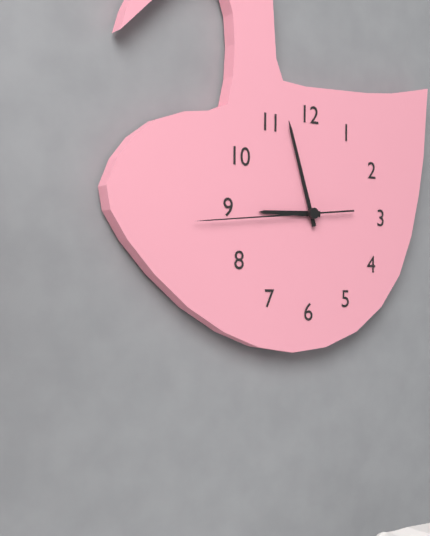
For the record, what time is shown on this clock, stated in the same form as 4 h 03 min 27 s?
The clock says 8 h 57 min 44 s
